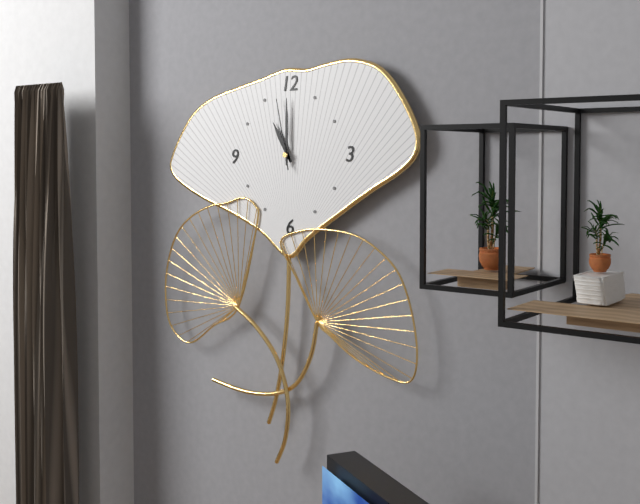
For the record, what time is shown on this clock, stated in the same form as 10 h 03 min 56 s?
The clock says 11 h 00 min 58 s
